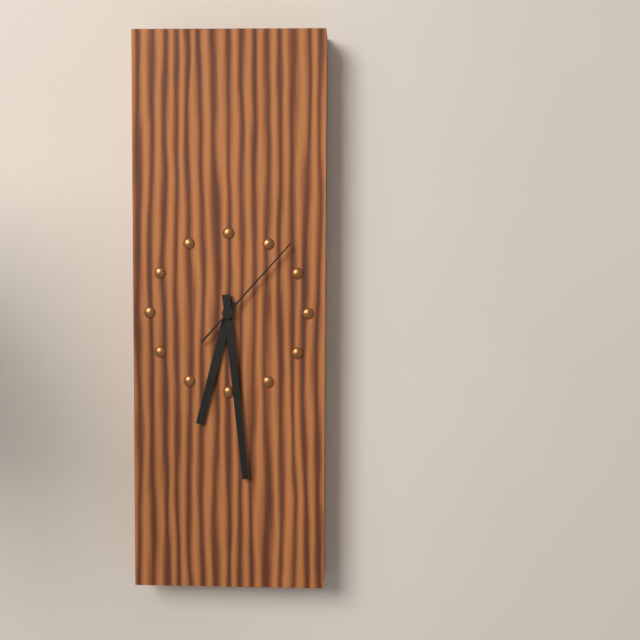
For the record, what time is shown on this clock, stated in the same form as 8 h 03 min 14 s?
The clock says 6 h 29 min 07 s
